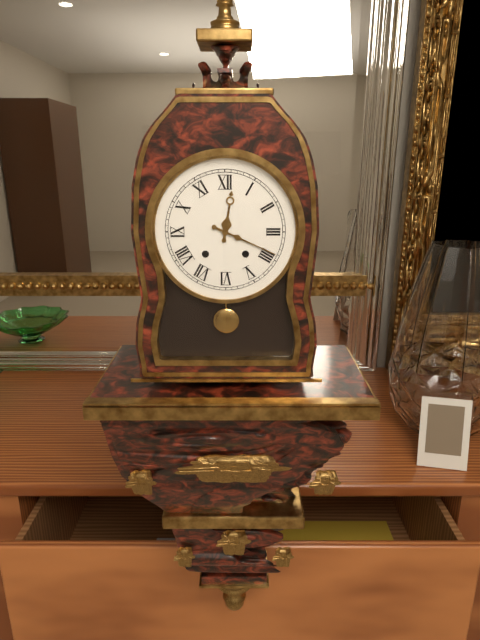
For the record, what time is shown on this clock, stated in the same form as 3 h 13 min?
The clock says 12 h 19 min
